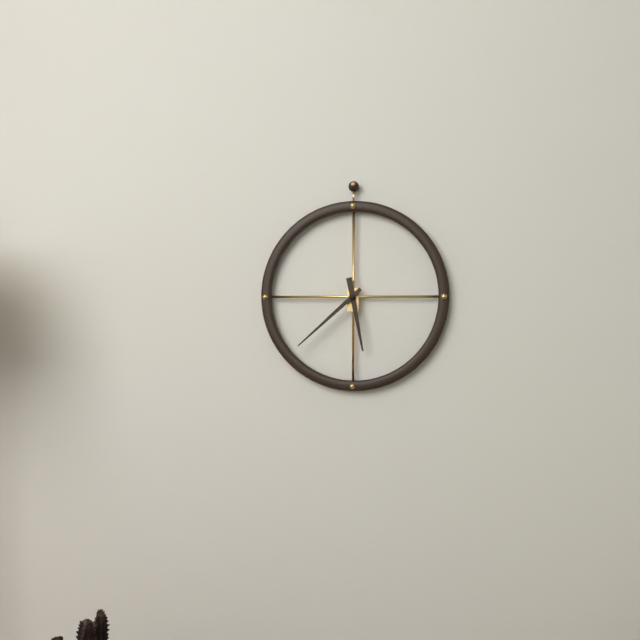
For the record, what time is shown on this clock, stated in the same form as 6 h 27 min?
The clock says 5 h 38 min
